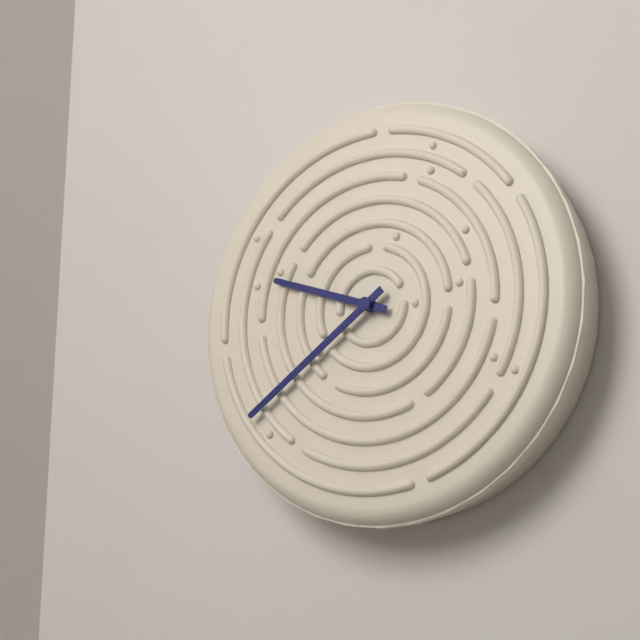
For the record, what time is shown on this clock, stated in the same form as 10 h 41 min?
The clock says 9 h 39 min
